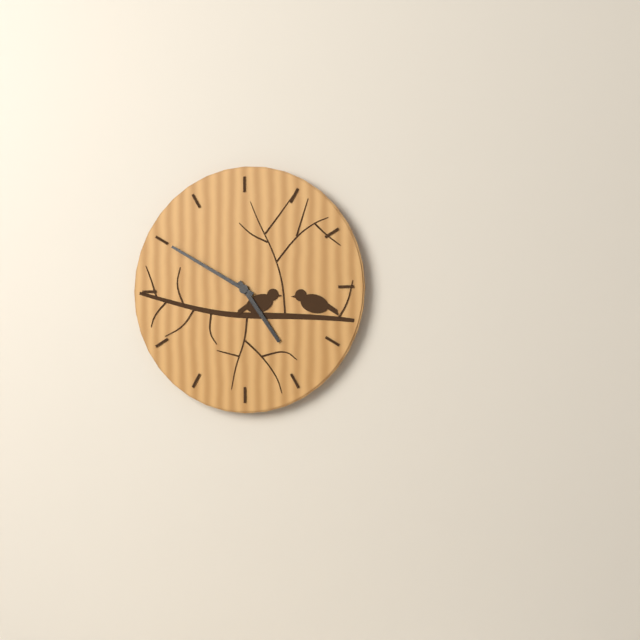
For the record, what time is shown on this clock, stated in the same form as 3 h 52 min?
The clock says 4 h 50 min
